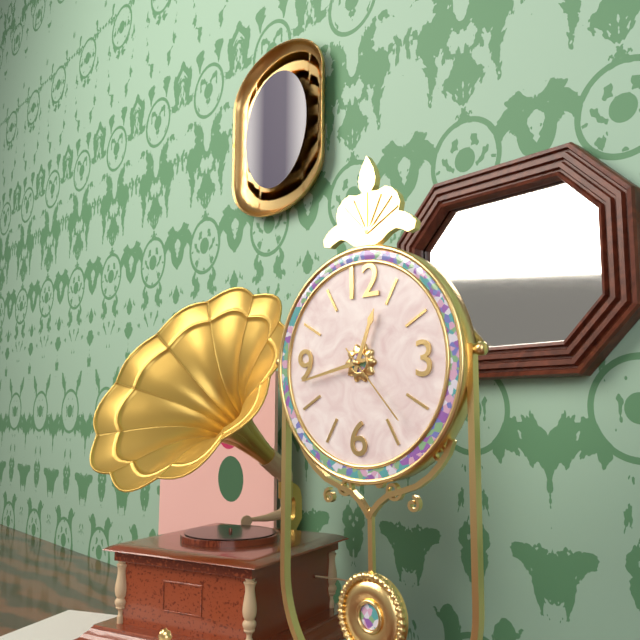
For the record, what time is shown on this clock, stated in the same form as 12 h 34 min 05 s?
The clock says 12 h 43 min 23 s
